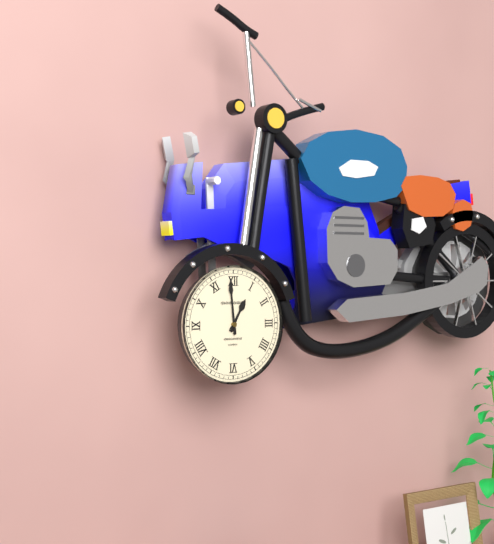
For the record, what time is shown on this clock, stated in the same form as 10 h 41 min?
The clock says 12 h 59 min
